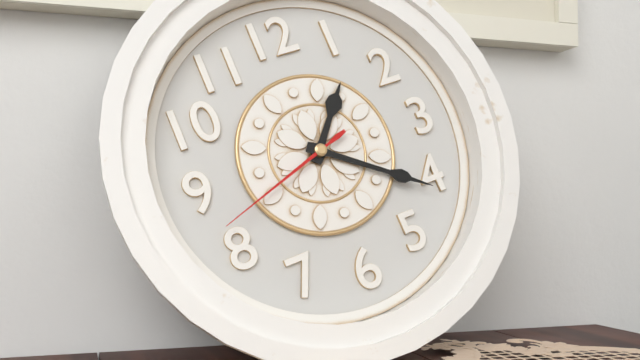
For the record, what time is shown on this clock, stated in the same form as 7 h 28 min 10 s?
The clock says 1 h 21 min 42 s
